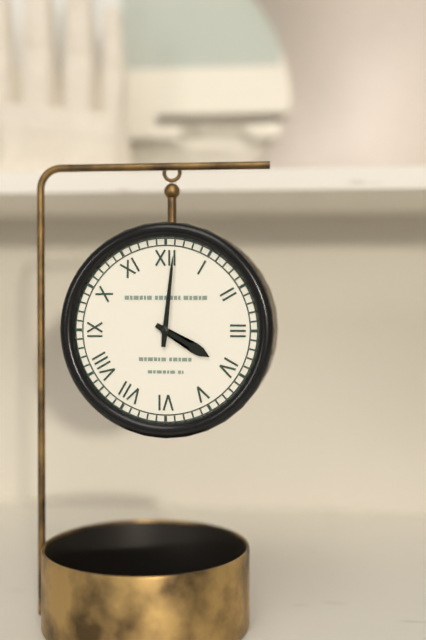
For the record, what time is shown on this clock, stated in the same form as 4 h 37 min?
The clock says 4 h 01 min
